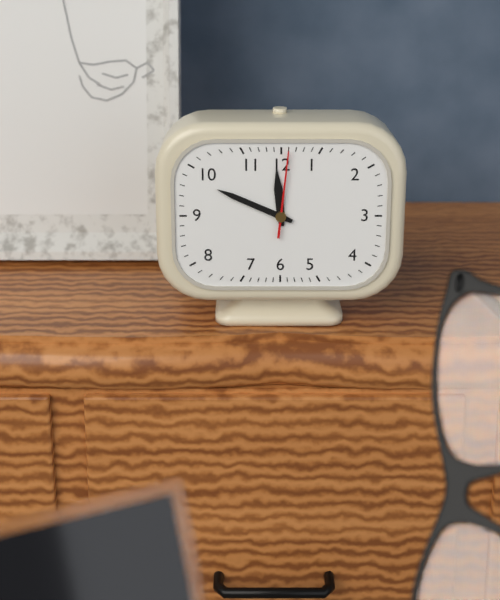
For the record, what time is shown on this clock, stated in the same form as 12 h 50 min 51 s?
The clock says 11 h 49 min 01 s
